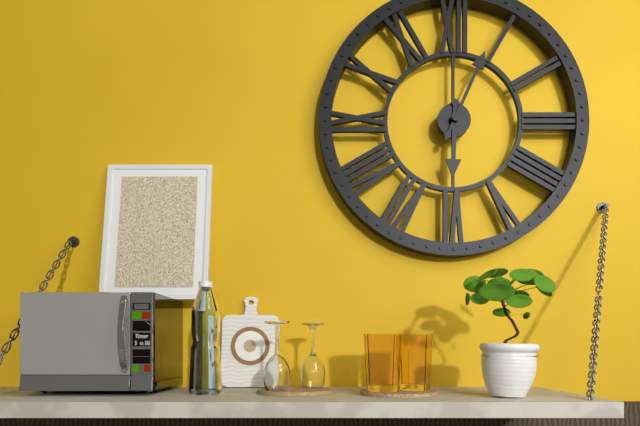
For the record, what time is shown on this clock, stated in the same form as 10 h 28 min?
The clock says 6 h 04 min
